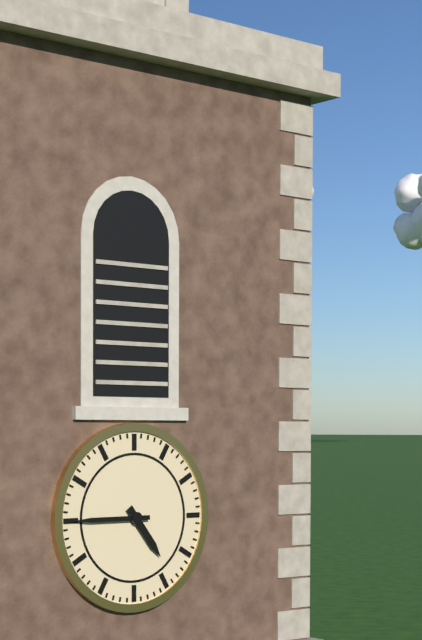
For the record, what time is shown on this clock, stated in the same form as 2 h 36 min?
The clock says 4 h 45 min
